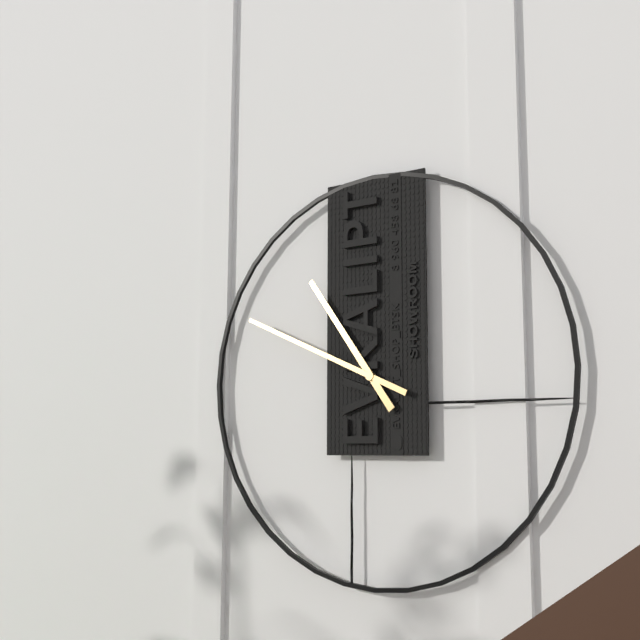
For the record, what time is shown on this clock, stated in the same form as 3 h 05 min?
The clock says 10 h 49 min
